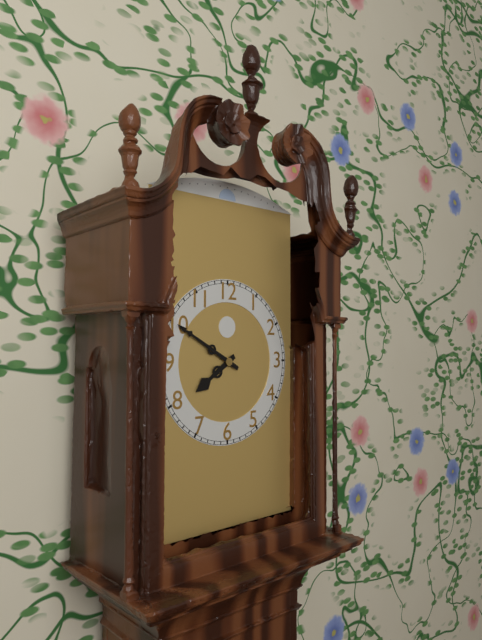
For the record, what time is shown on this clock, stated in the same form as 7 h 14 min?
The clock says 7 h 50 min
